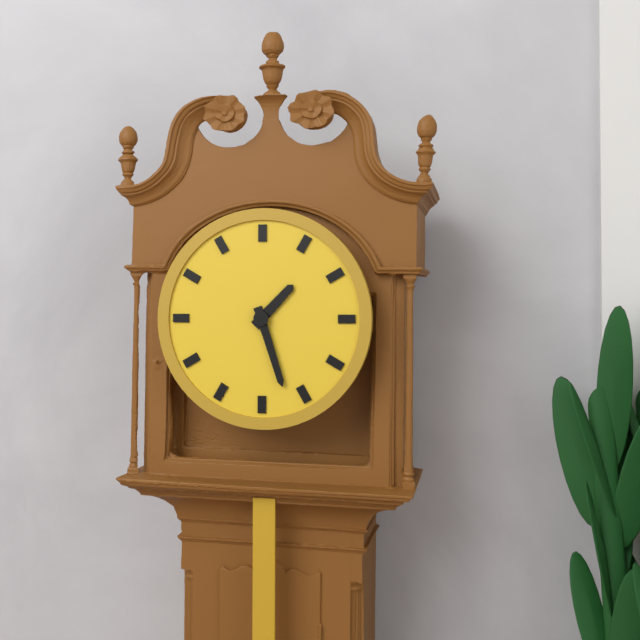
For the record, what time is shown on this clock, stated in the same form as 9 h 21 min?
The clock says 1 h 27 min
